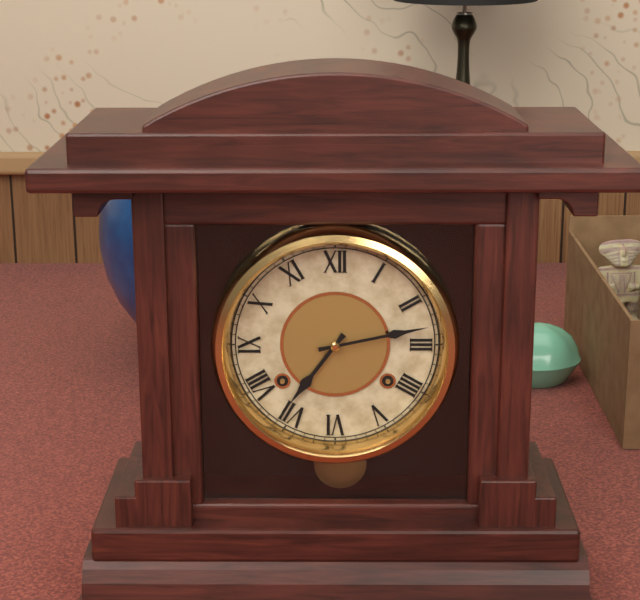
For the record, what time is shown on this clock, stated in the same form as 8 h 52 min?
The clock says 7 h 13 min
